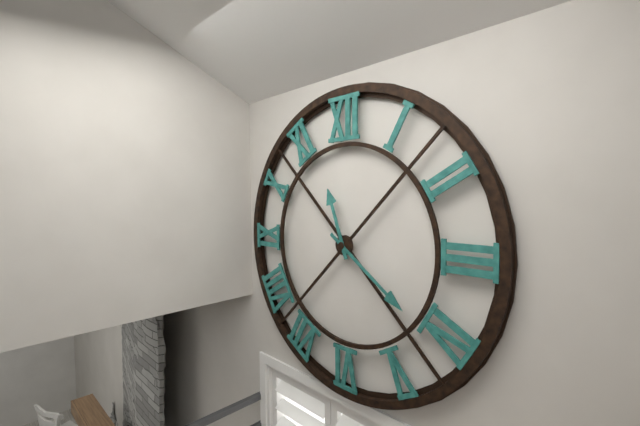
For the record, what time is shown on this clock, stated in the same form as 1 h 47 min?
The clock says 11 h 21 min
